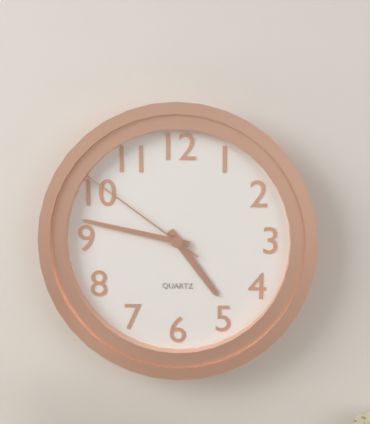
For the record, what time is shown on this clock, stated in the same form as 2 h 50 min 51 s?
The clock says 4 h 47 min 51 s
